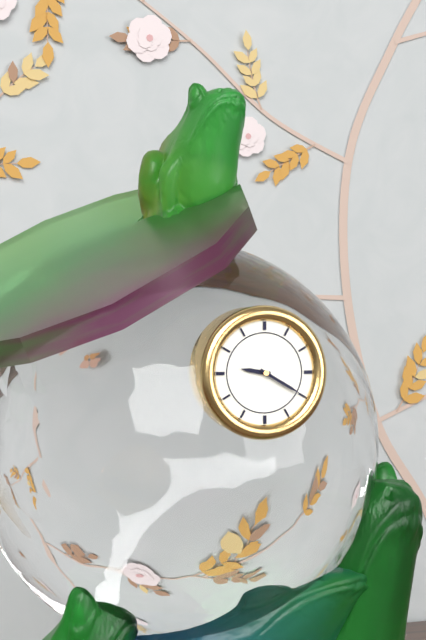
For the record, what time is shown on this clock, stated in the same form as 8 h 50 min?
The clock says 9 h 20 min
